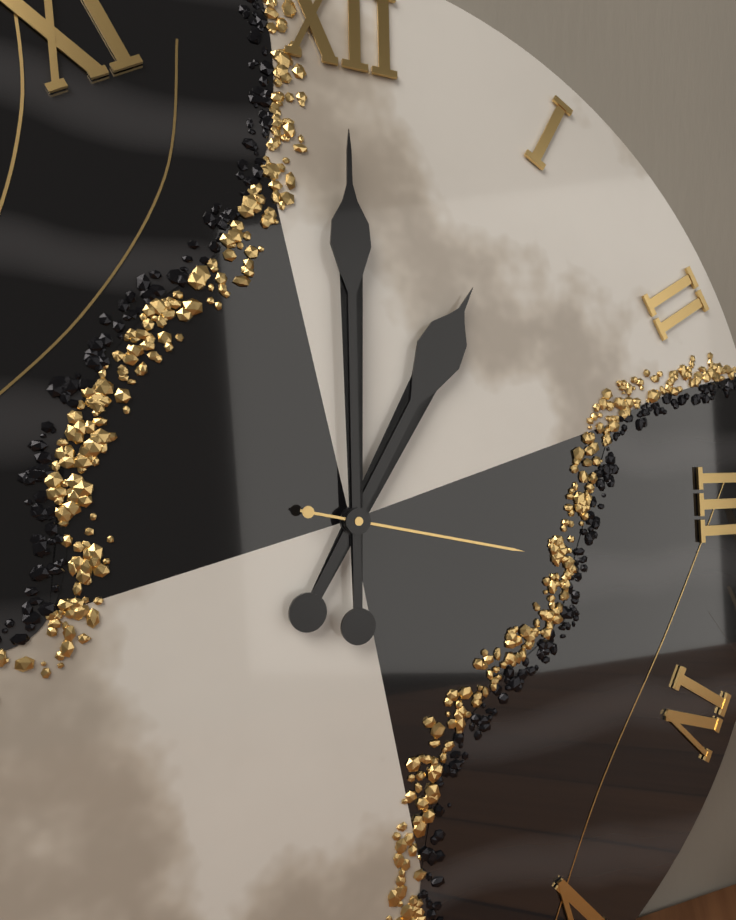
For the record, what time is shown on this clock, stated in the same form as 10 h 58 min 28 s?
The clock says 1 h 00 min 17 s
